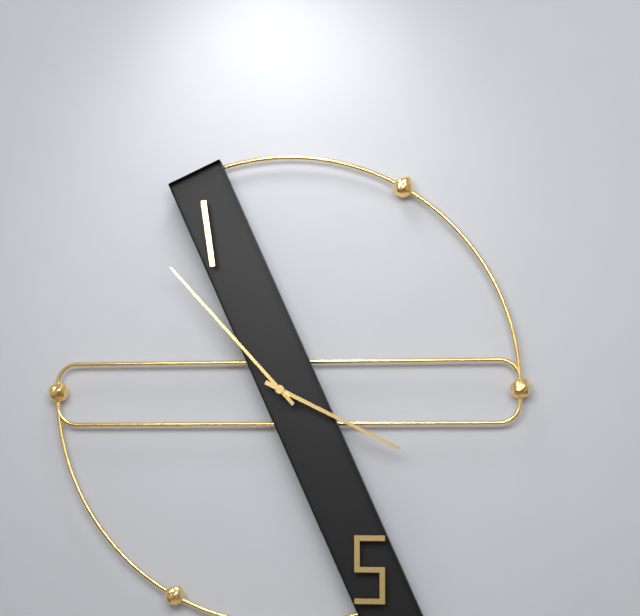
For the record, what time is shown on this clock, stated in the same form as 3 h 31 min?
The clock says 3 h 53 min
